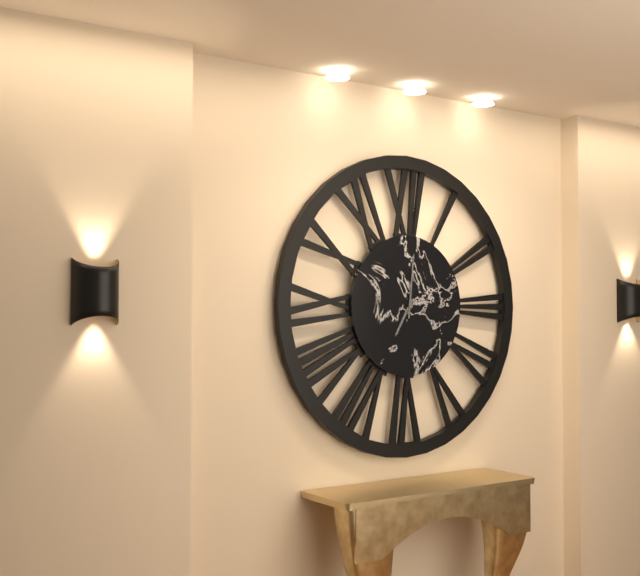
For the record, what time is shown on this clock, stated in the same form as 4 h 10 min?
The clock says 7 h 01 min
